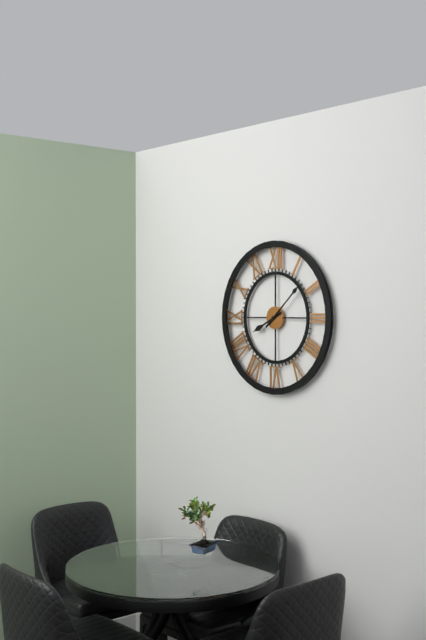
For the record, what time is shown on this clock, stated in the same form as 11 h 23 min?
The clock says 8 h 08 min
